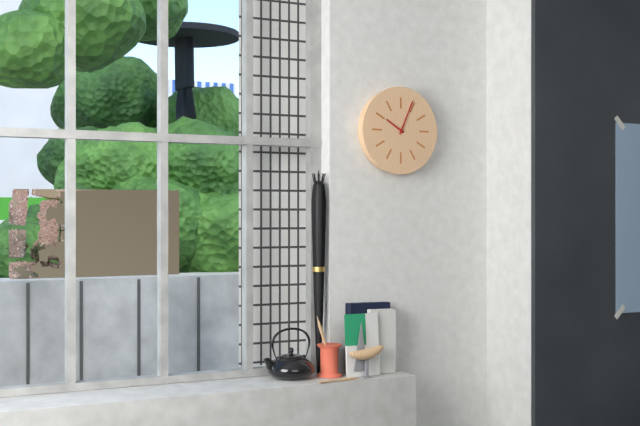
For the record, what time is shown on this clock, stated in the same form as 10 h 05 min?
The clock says 10 h 04 min
